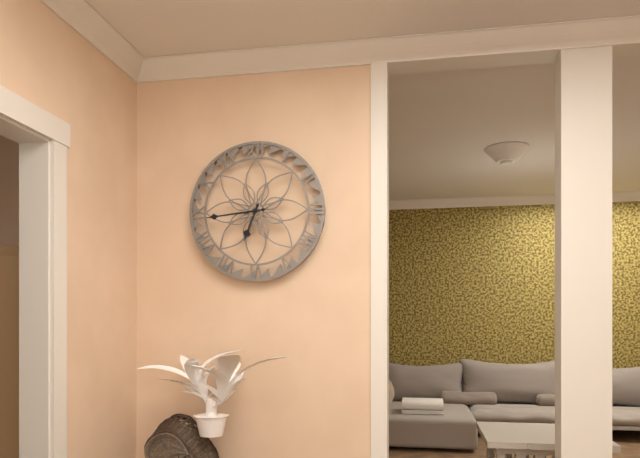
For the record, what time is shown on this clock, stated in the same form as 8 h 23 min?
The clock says 6 h 44 min
